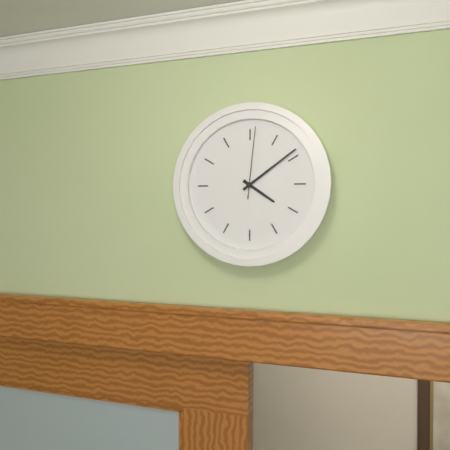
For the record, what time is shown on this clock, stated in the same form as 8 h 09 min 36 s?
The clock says 4 h 09 min 01 s
